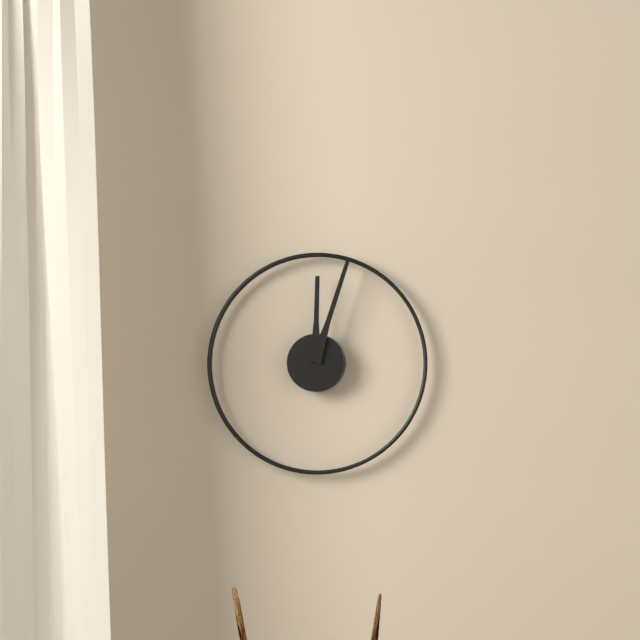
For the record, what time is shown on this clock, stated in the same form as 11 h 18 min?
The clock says 12 h 03 min
